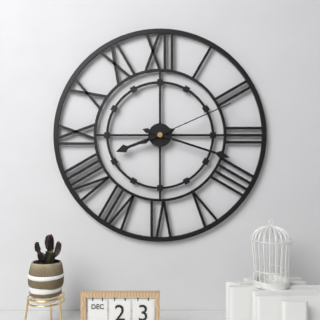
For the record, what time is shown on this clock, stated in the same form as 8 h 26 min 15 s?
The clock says 8 h 18 min 11 s
